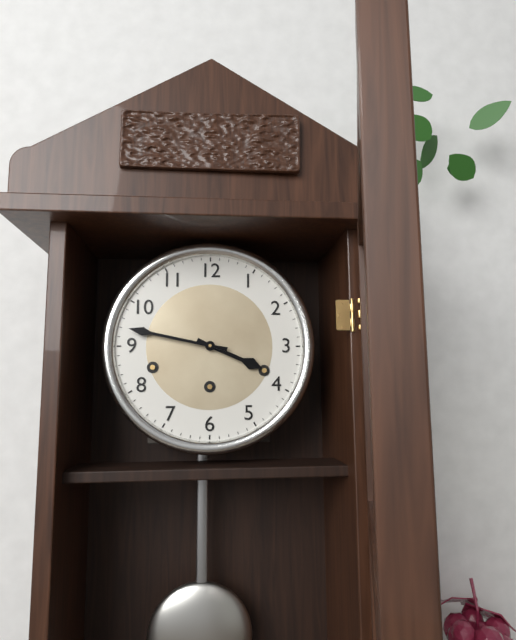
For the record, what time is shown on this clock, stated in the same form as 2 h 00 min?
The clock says 3 h 47 min
